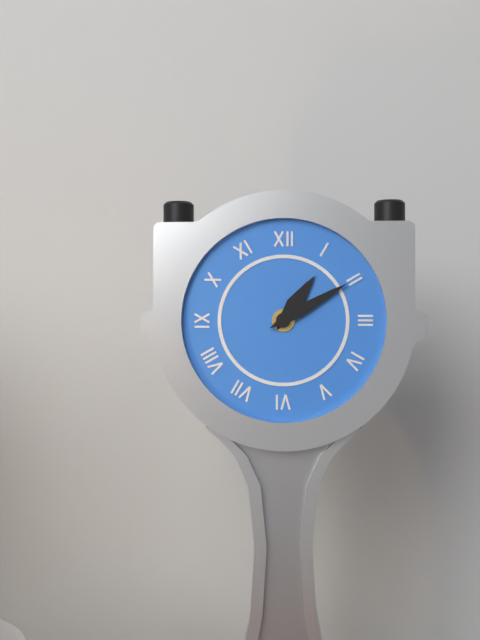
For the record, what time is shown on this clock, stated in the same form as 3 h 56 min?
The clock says 1 h 10 min
